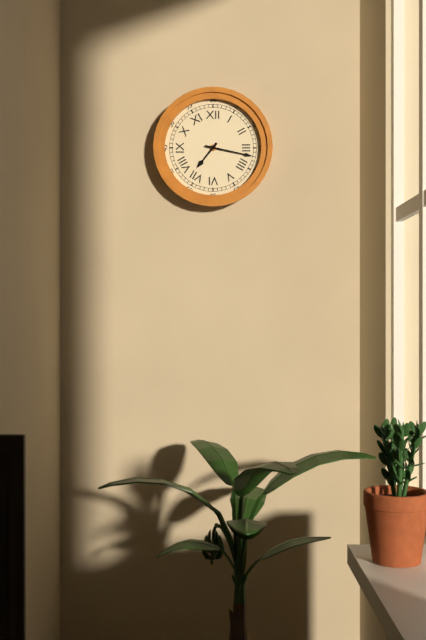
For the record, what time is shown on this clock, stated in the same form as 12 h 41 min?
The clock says 7 h 17 min
